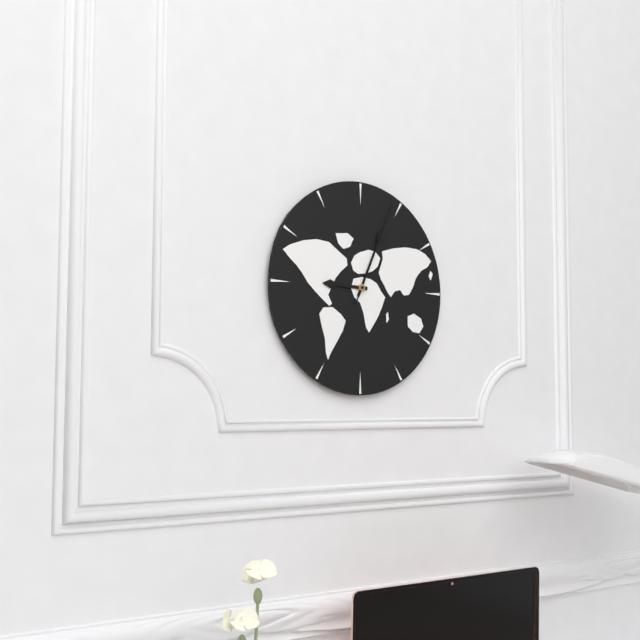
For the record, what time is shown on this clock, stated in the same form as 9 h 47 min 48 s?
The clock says 9 h 04 min 04 s
